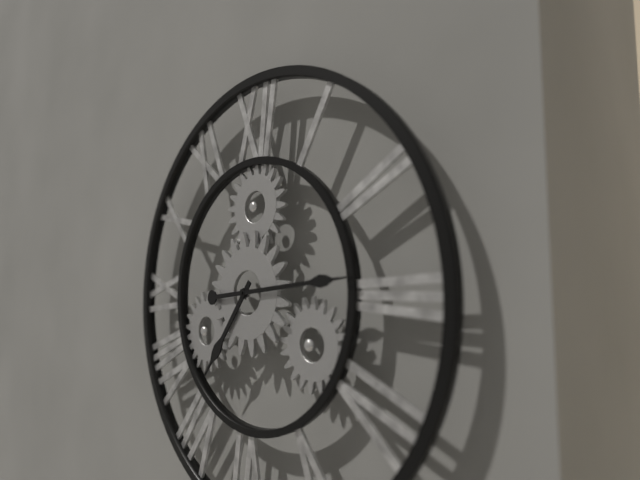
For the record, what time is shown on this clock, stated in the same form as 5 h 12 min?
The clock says 7 h 14 min
